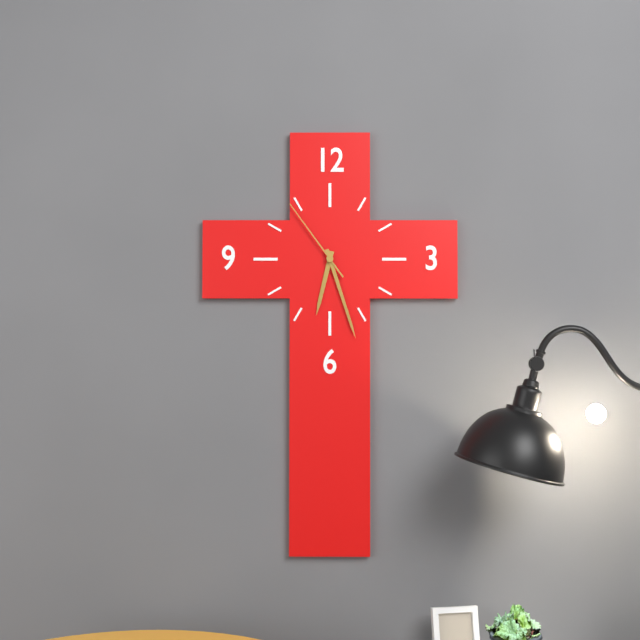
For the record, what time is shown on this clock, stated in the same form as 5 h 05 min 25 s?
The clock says 6 h 27 min 54 s
